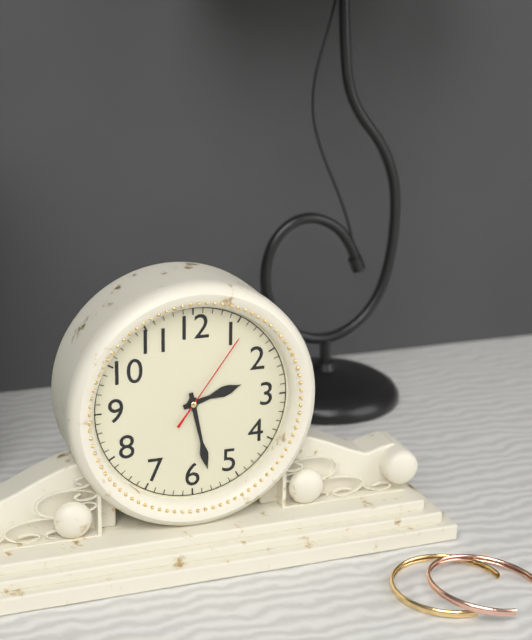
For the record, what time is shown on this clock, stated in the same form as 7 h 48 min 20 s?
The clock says 2 h 28 min 06 s
